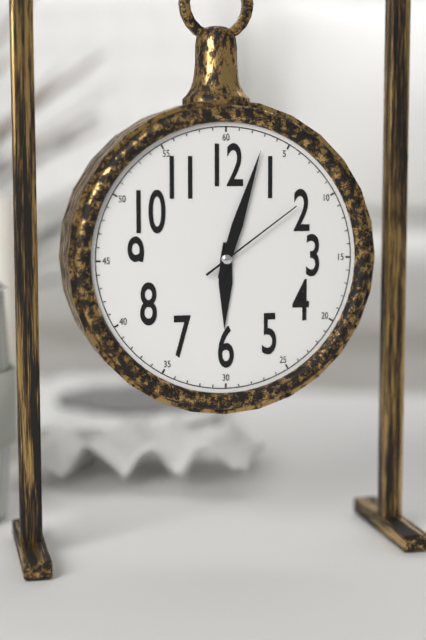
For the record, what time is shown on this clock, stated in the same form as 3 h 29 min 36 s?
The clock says 6 h 03 min 09 s
